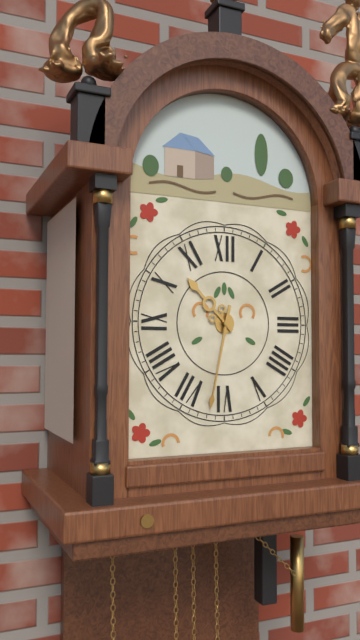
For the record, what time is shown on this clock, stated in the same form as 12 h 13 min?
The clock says 10 h 32 min
